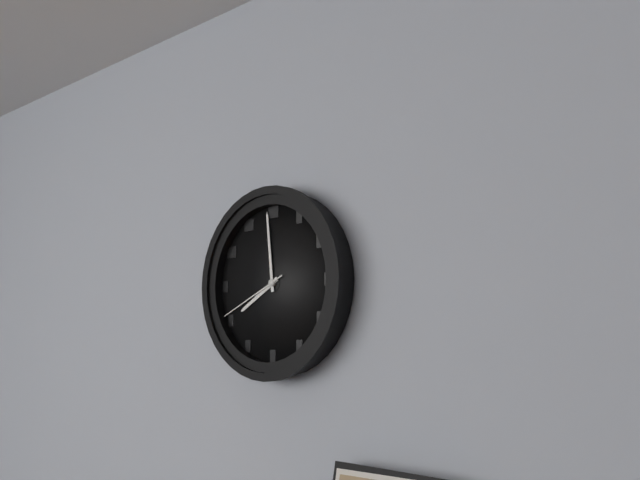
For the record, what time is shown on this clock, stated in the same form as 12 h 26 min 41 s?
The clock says 7 h 59 min 41 s
